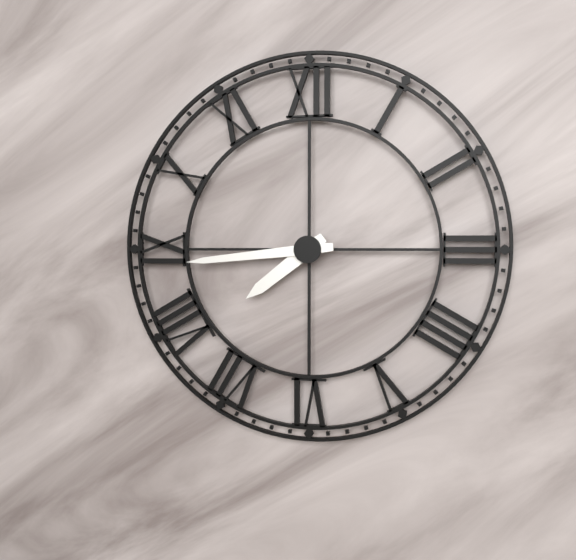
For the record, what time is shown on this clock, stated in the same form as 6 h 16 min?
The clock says 7 h 44 min
